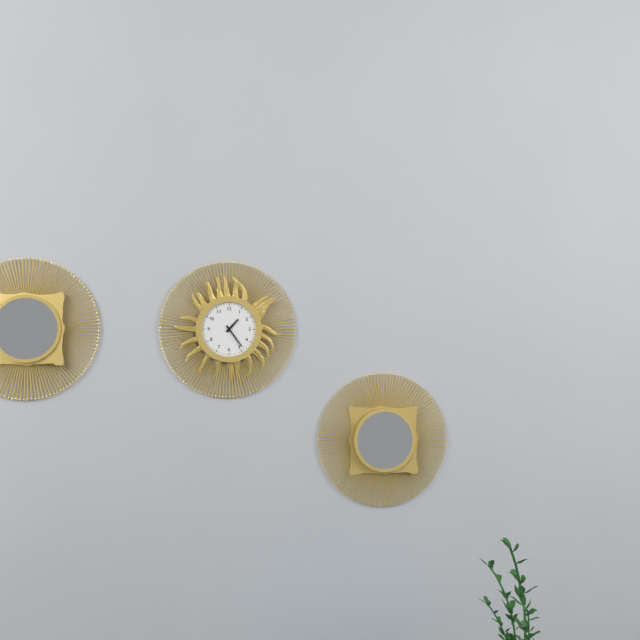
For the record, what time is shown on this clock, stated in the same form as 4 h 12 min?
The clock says 1 h 24 min
